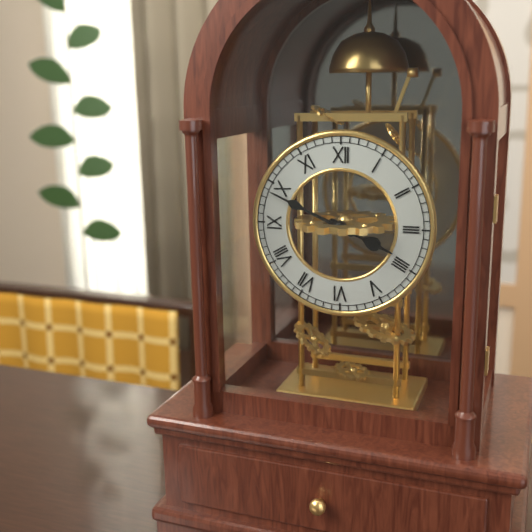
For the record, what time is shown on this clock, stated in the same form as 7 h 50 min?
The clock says 3 h 49 min
